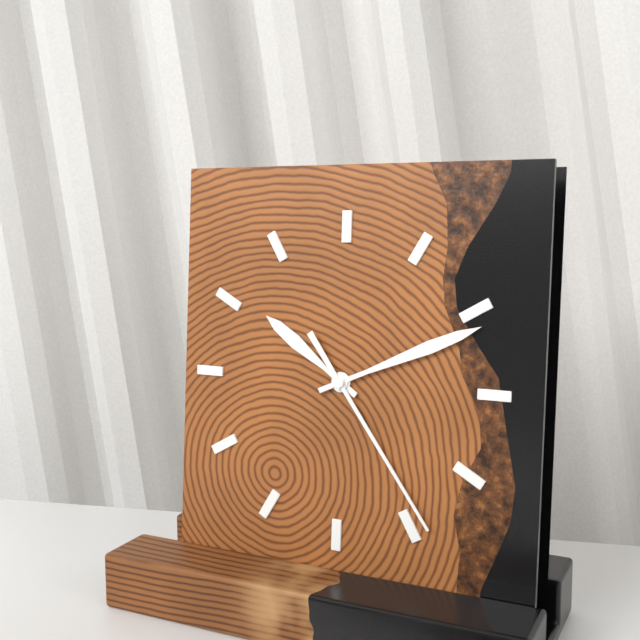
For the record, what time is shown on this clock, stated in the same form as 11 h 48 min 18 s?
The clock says 10 h 11 min 24 s
